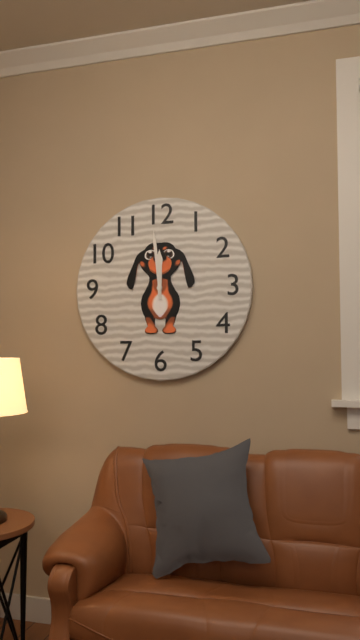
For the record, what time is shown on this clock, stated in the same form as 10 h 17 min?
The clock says 11 h 59 min
